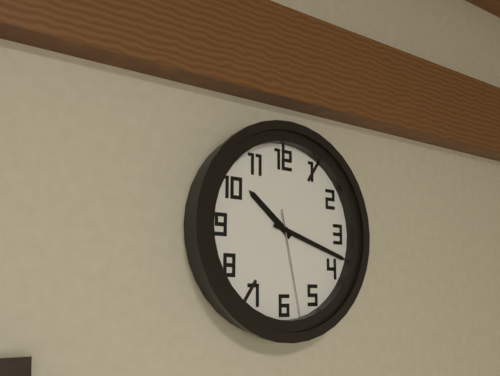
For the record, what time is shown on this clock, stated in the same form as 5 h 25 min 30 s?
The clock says 10 h 18 min 28 s
